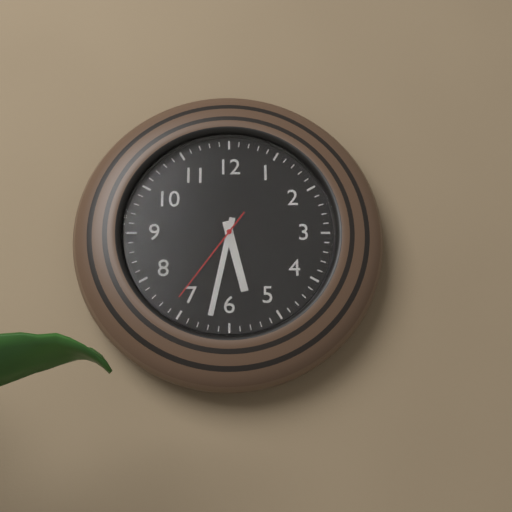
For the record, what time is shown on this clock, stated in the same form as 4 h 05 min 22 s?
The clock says 5 h 32 min 36 s
